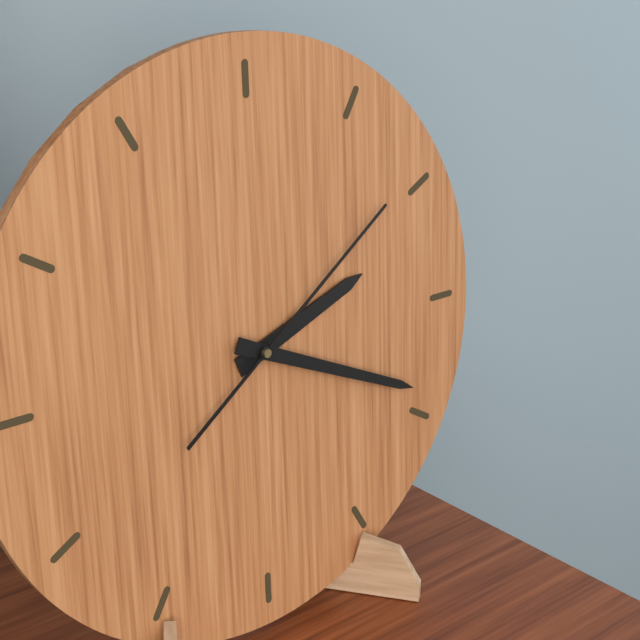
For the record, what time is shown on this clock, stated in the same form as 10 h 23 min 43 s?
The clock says 2 h 19 min 09 s
